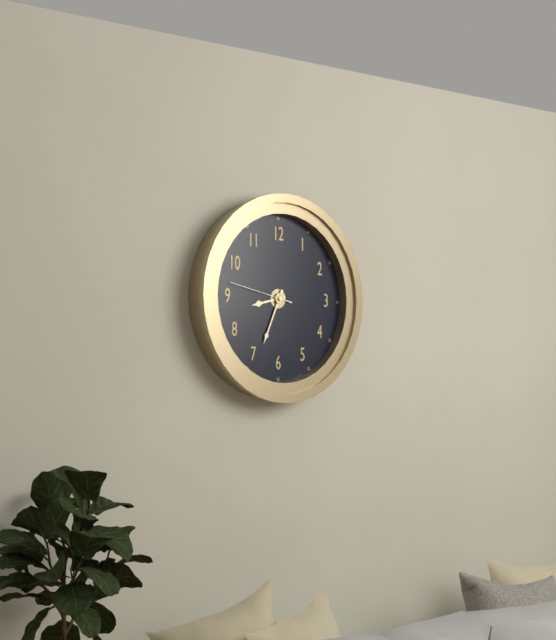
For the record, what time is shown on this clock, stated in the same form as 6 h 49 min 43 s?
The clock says 8 h 34 min 47 s
